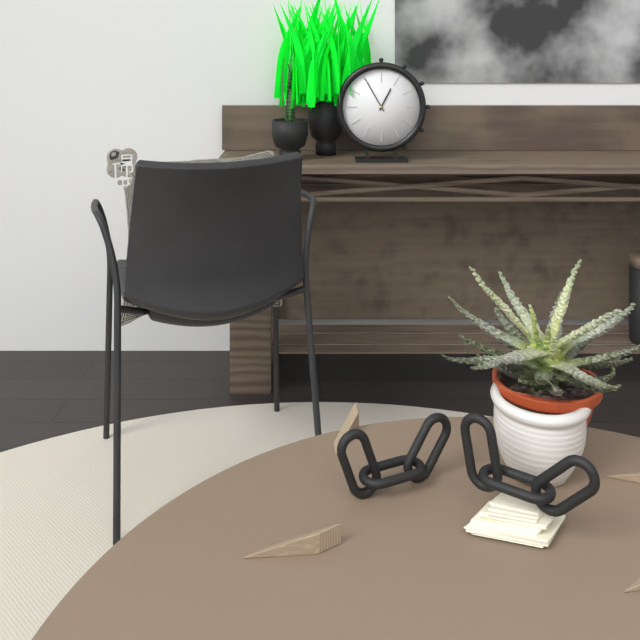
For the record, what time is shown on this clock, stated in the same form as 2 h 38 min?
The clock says 12 h 55 min
